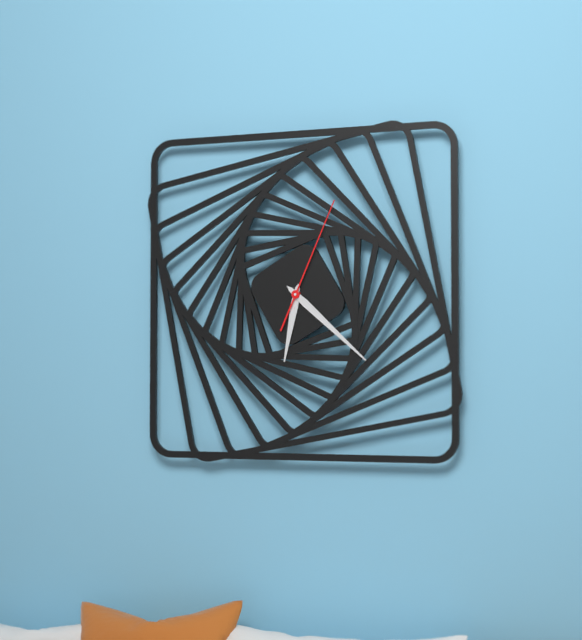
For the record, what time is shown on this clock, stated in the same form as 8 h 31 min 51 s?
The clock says 6 h 22 min 04 s
